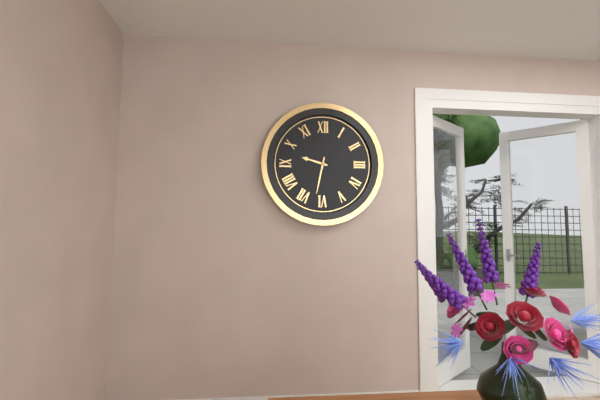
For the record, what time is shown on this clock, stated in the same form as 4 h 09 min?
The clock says 9 h 32 min
